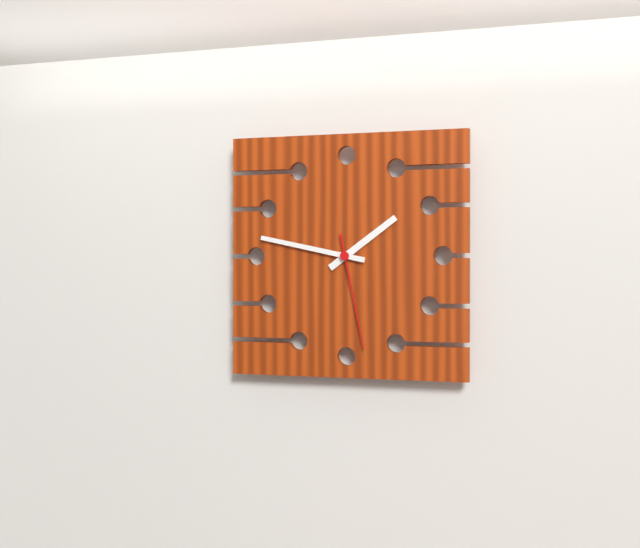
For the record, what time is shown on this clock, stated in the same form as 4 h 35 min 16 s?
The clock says 1 h 47 min 28 s
